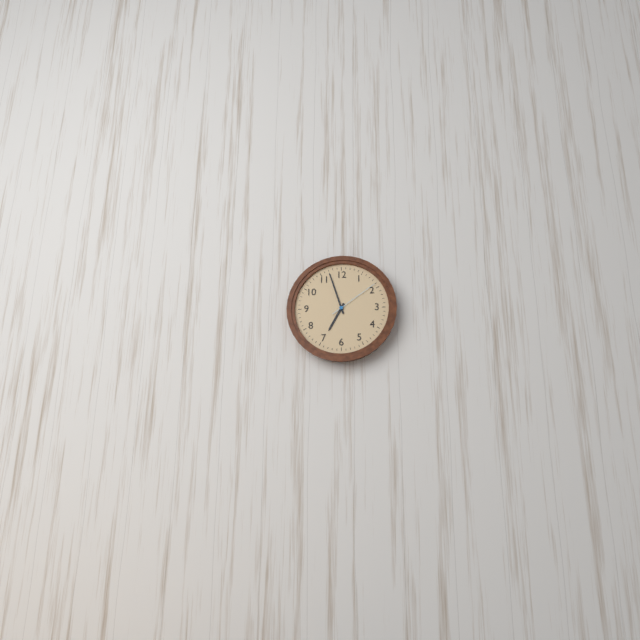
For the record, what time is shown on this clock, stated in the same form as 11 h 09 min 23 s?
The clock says 6 h 57 min 09 s
